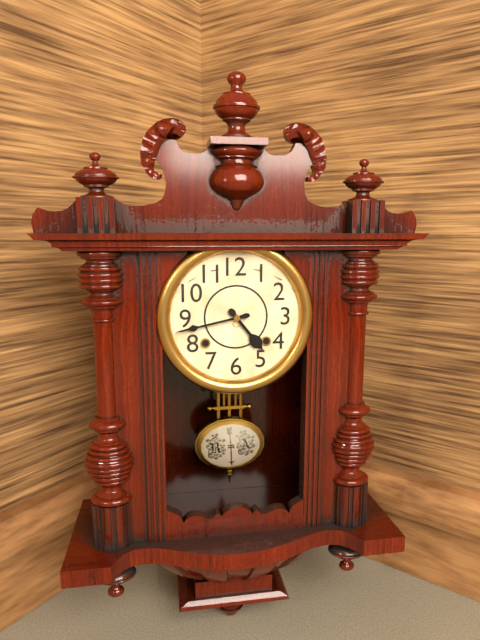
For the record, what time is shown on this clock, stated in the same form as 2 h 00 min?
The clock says 4 h 43 min
